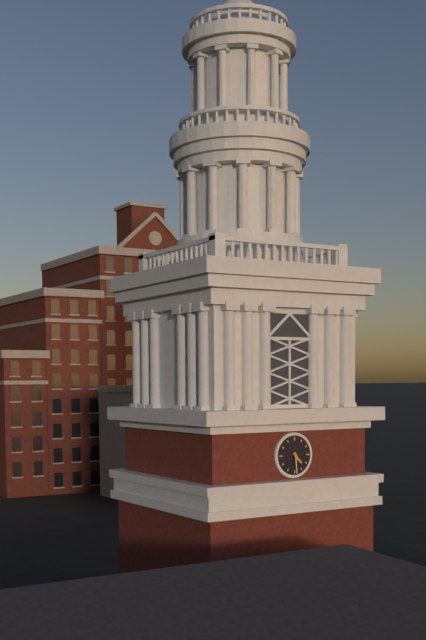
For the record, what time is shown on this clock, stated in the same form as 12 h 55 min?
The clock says 4 h 29 min
